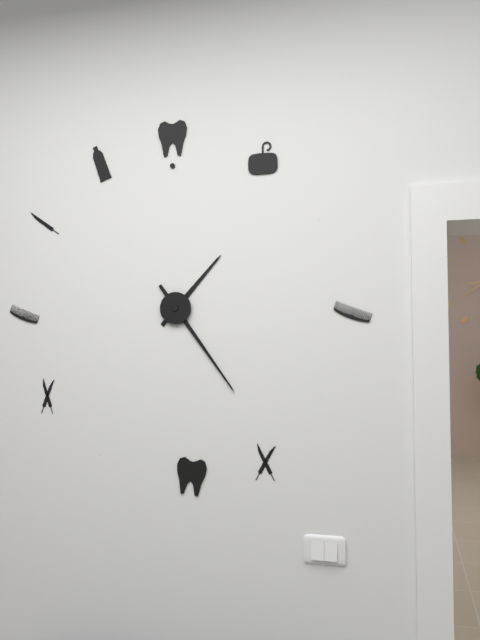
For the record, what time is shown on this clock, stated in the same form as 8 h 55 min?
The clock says 1 h 24 min
